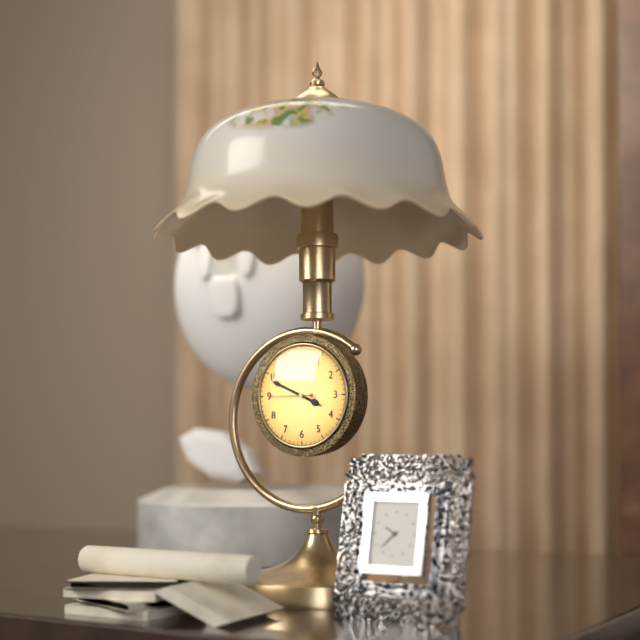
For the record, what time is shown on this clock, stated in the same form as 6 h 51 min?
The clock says 3 h 49 min
